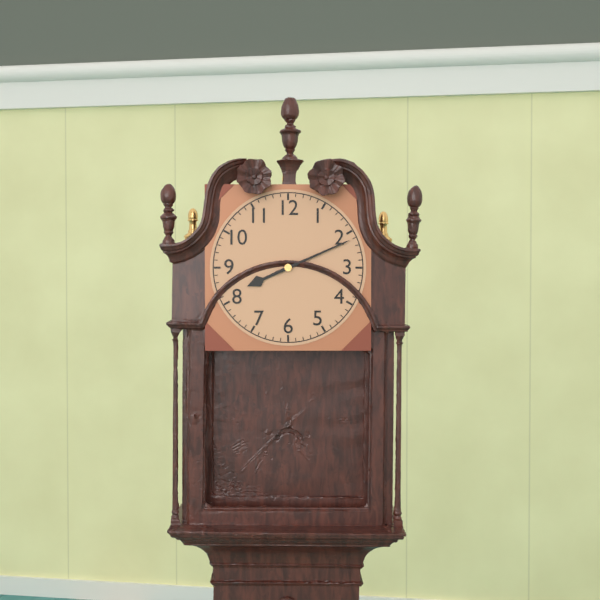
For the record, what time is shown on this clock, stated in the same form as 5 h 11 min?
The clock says 8 h 11 min
